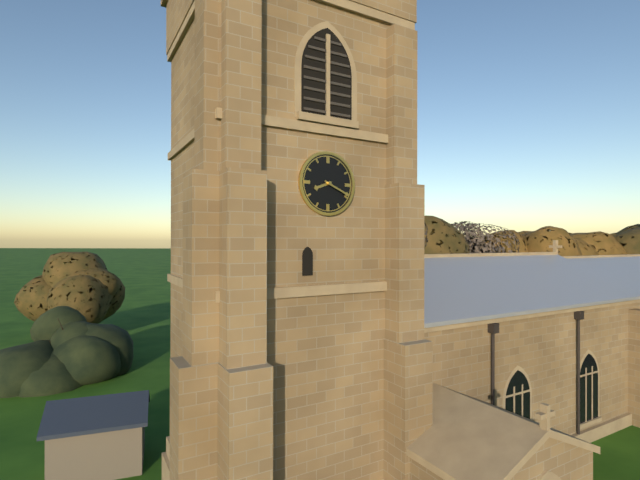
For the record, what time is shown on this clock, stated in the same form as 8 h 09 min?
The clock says 8 h 19 min
